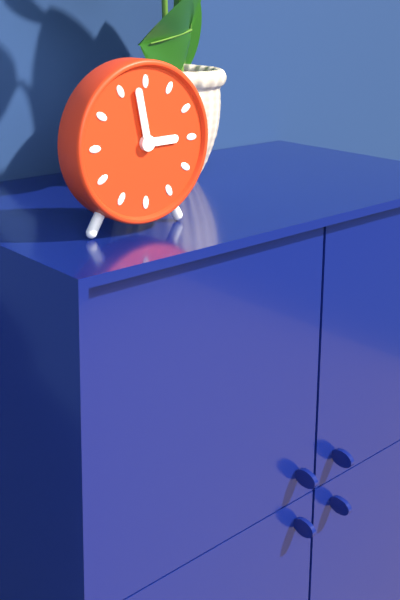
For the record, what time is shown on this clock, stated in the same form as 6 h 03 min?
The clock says 2 h 58 min
